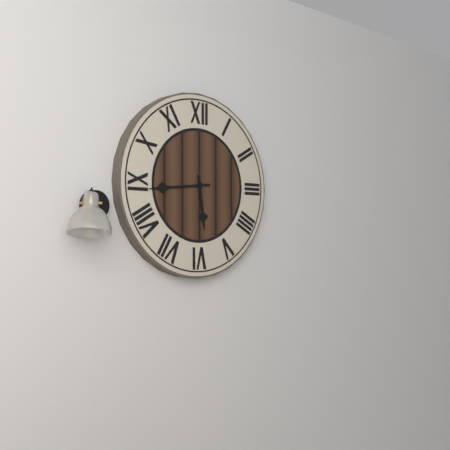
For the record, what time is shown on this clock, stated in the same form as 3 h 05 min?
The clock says 5 h 44 min
